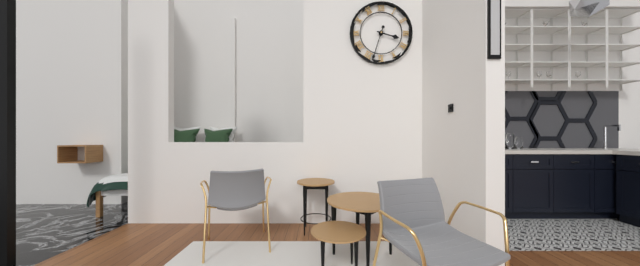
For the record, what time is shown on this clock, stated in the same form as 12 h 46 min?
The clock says 3 h 33 min
